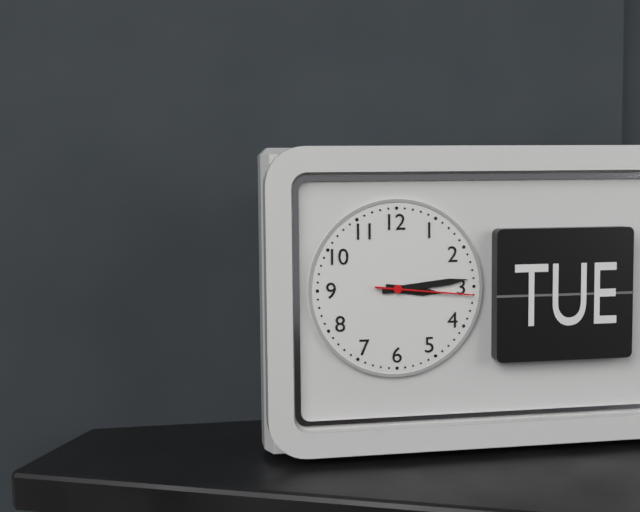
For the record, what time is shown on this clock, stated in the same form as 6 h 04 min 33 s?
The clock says 3 h 14 min 16 s
